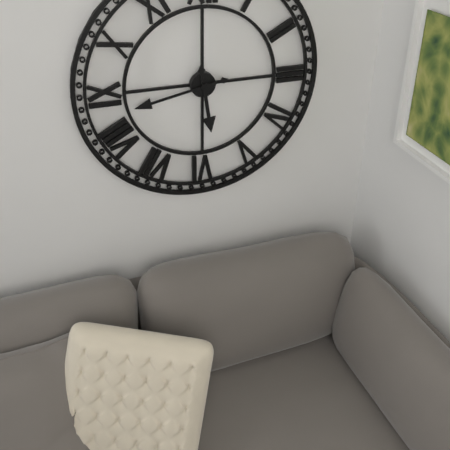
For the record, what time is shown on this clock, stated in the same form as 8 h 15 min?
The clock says 5 h 43 min
